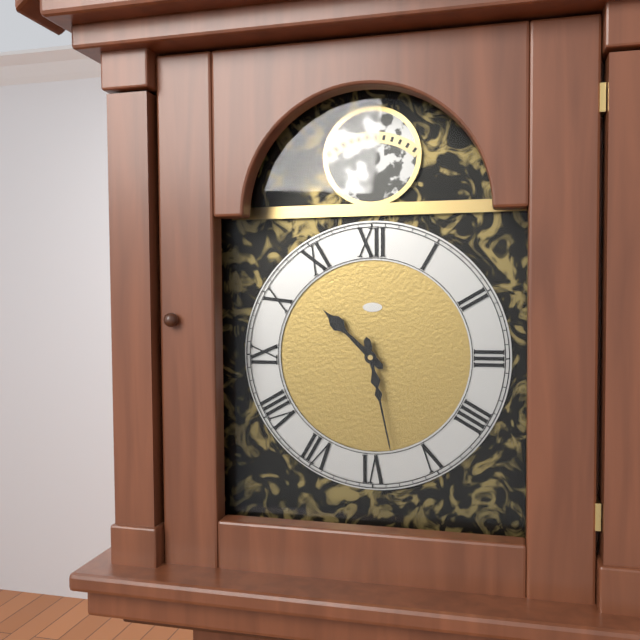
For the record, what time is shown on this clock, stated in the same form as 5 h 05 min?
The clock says 10 h 28 min
